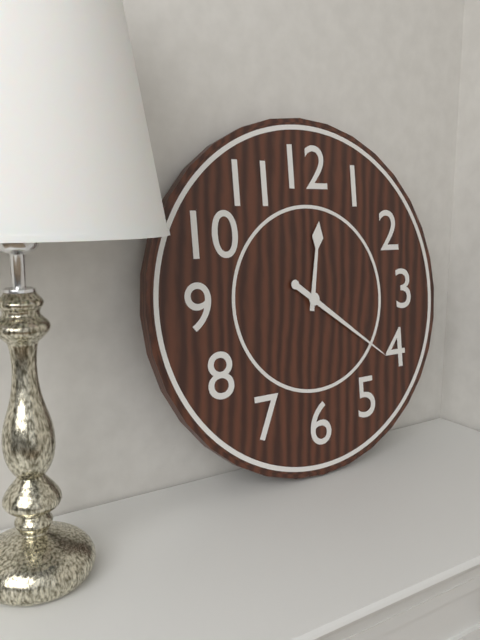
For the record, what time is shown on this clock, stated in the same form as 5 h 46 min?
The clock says 12 h 21 min
